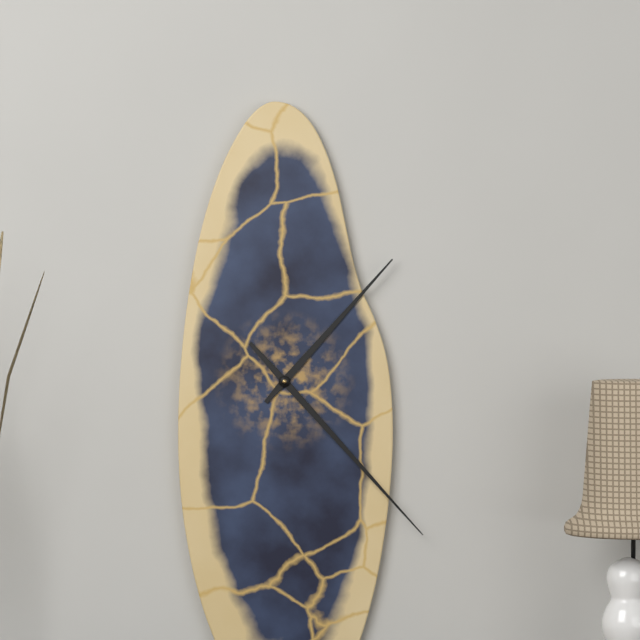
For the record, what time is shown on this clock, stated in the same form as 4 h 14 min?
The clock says 1 h 23 min
